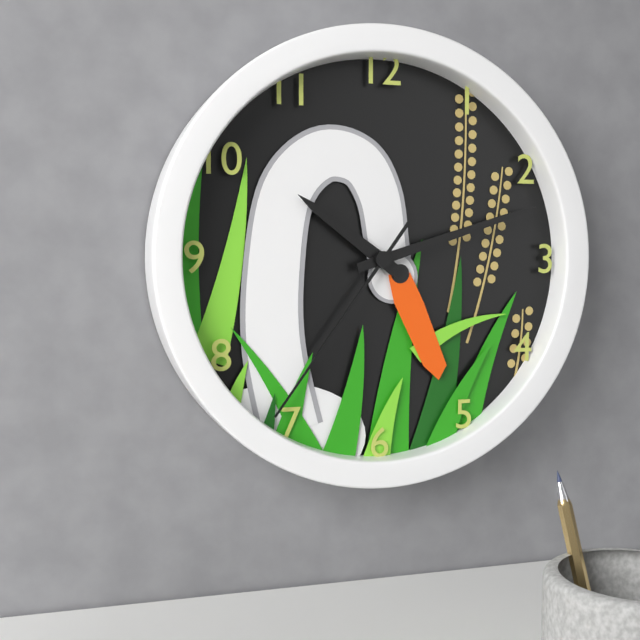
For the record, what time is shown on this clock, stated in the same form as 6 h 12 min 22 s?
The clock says 10 h 12 min 36 s
